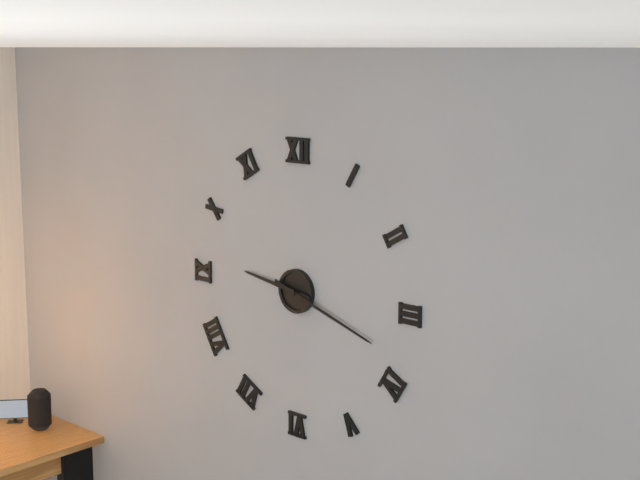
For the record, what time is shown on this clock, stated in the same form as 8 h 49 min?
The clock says 9 h 18 min
